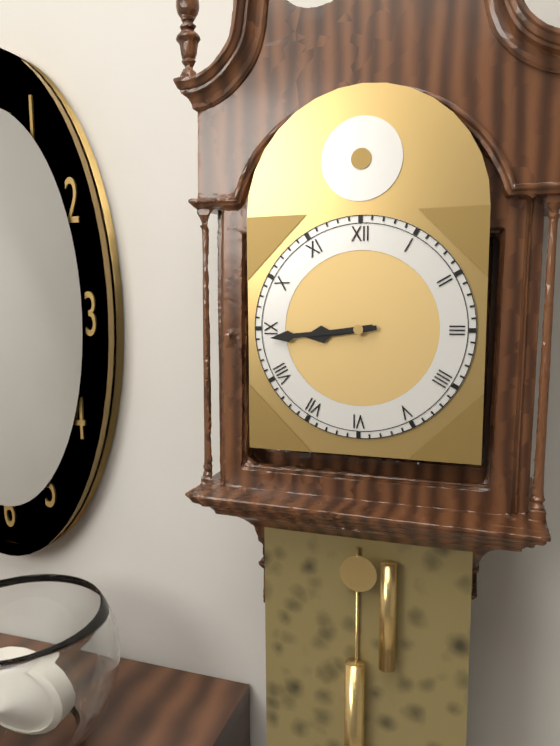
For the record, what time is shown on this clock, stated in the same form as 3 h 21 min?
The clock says 8 h 44 min
